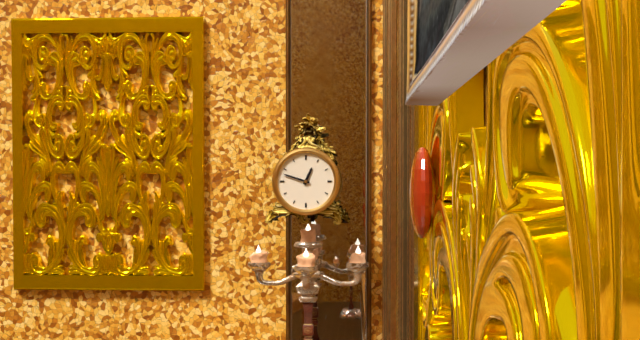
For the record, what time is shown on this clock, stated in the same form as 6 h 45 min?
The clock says 12 h 48 min
